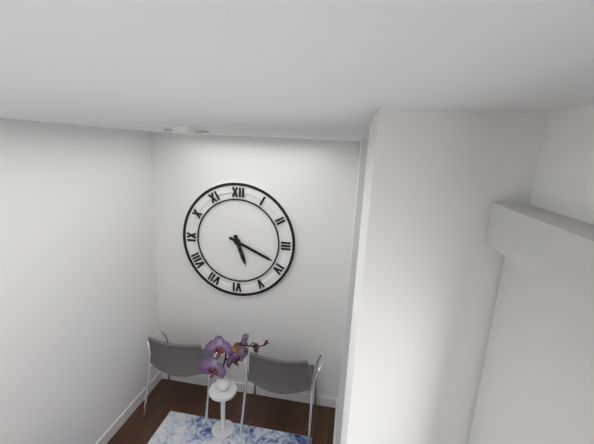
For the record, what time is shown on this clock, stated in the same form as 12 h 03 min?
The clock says 5 h 19 min
